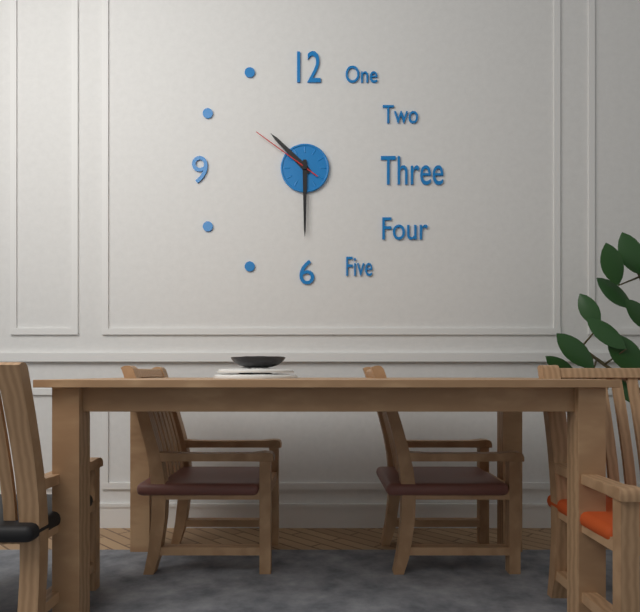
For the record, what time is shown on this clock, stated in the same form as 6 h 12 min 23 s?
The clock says 10 h 30 min 51 s
